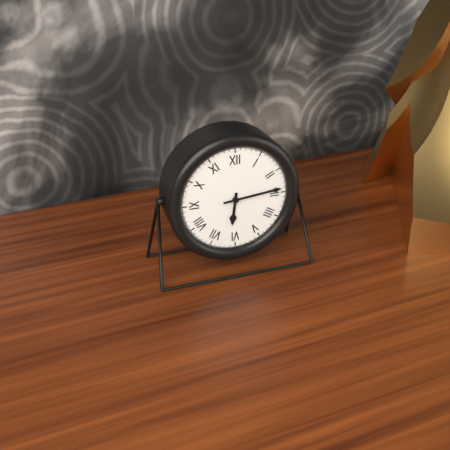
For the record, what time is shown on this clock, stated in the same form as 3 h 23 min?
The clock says 6 h 14 min
